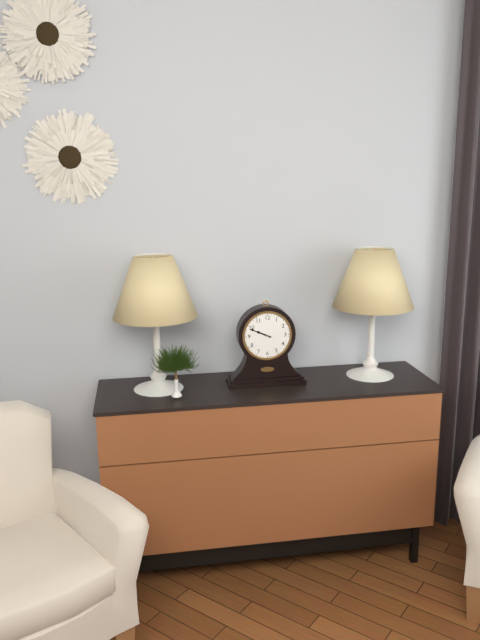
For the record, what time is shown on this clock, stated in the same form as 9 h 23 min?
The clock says 9 h 49 min
